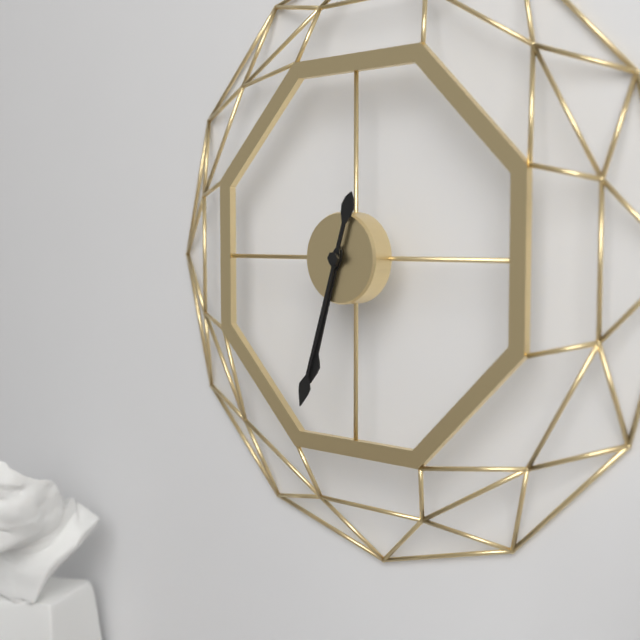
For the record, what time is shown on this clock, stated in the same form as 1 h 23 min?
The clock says 6 h 33 min
